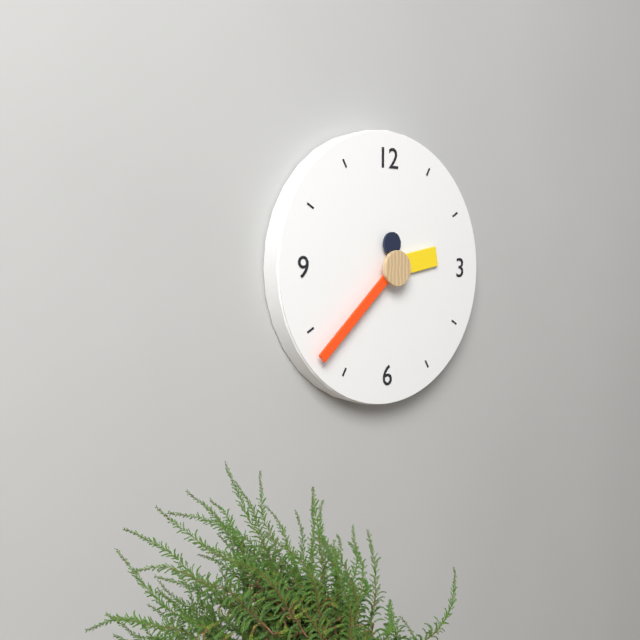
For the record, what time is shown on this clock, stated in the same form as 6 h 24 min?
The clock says 2 h 38 min
